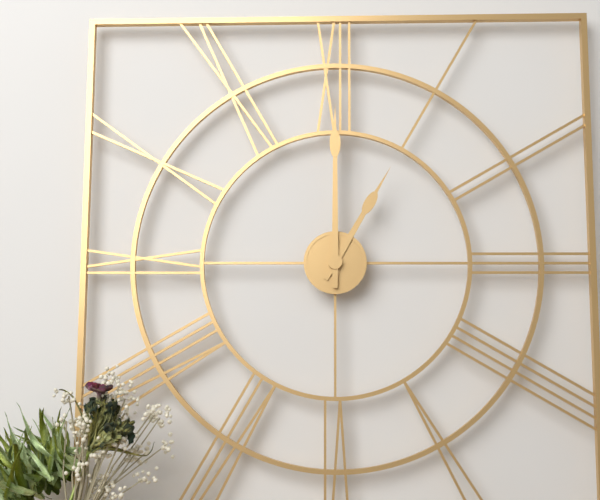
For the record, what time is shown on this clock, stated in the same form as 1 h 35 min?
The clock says 1 h 00 min
